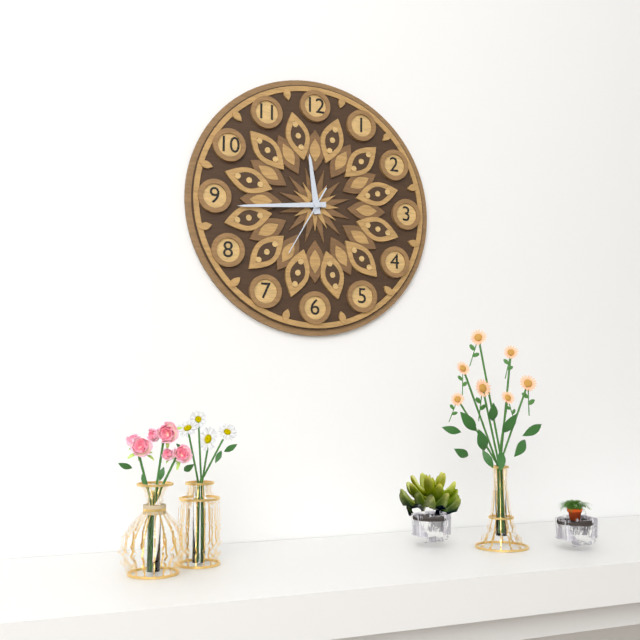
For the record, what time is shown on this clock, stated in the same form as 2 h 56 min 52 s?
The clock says 11 h 44 min 35 s
